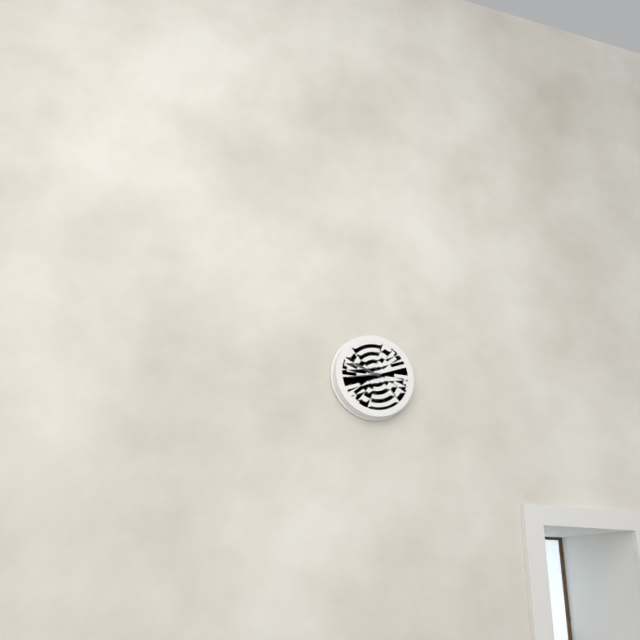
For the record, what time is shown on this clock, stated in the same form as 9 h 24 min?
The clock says 9 h 43 min
